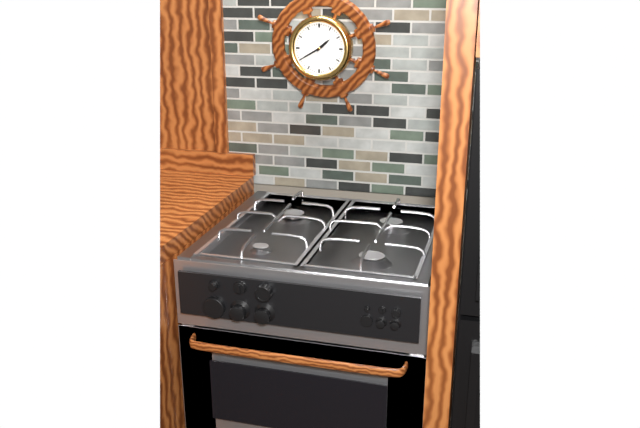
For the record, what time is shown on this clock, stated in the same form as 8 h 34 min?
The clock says 1 h 40 min
